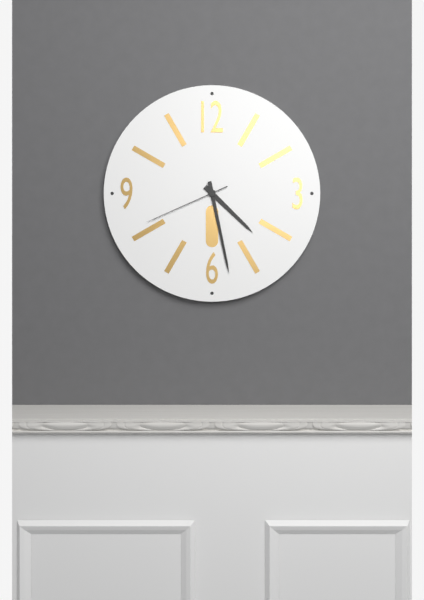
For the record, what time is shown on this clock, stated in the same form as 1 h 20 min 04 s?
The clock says 4 h 28 min 41 s
